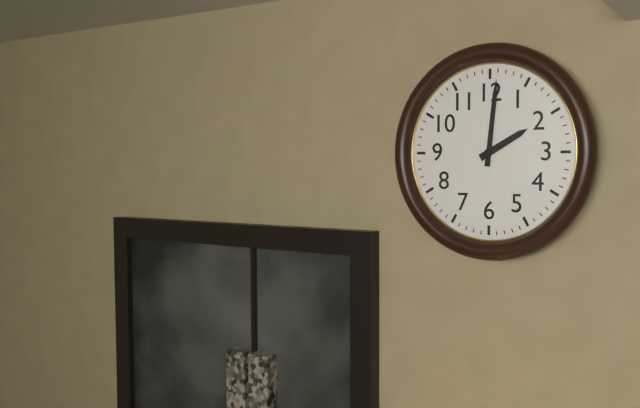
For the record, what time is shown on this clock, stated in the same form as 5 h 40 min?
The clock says 2 h 01 min
